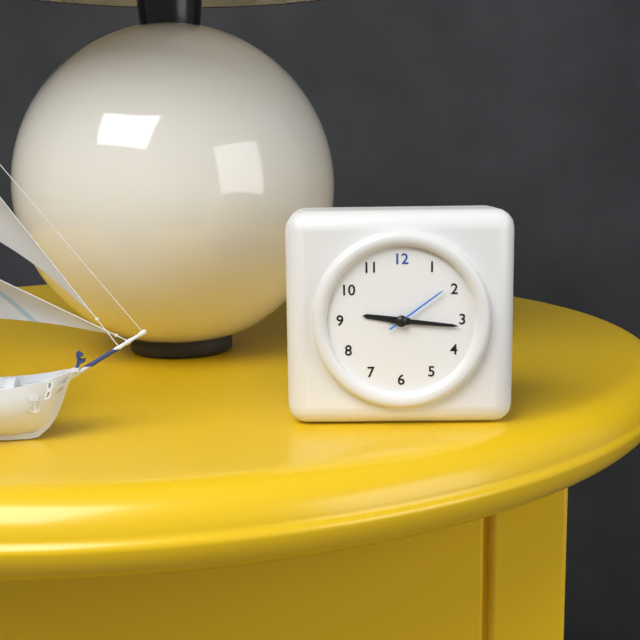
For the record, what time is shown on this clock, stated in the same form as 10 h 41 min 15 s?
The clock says 9 h 16 min 09 s
